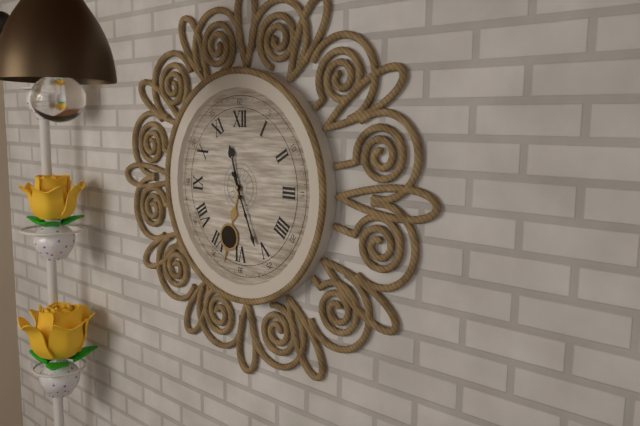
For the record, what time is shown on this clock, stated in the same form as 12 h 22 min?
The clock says 11 h 26 min
